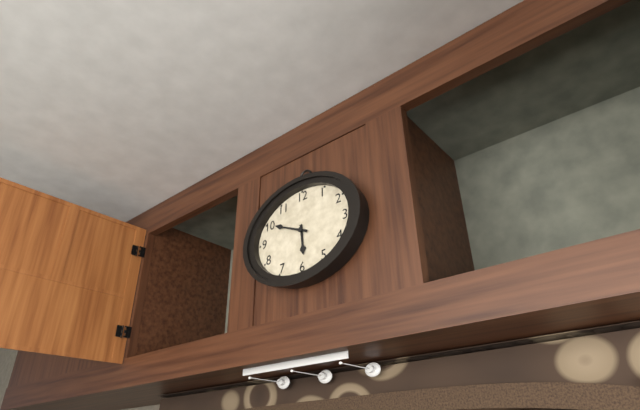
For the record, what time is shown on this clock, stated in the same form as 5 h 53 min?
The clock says 5 h 49 min
